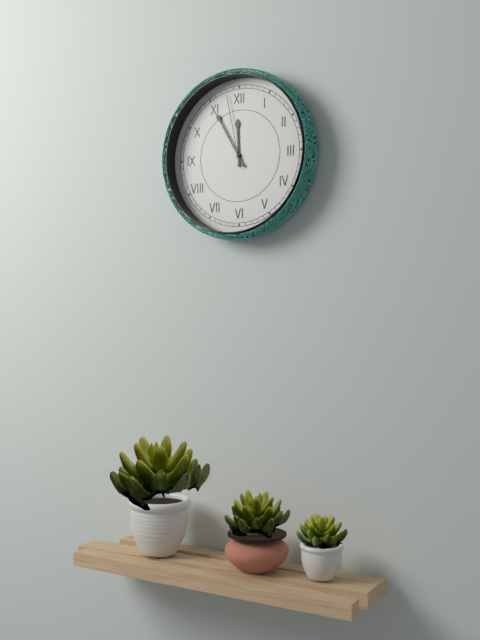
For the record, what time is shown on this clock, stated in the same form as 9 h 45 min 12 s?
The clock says 11 h 55 min 58 s
